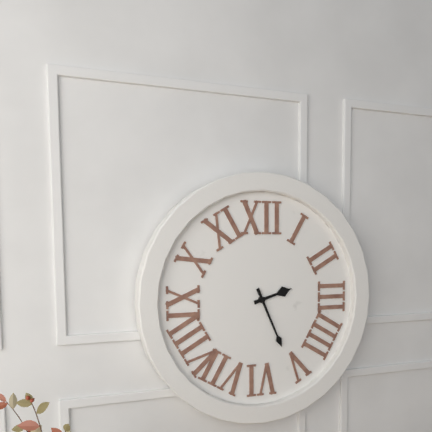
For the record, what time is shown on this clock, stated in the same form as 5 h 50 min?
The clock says 2 h 26 min
